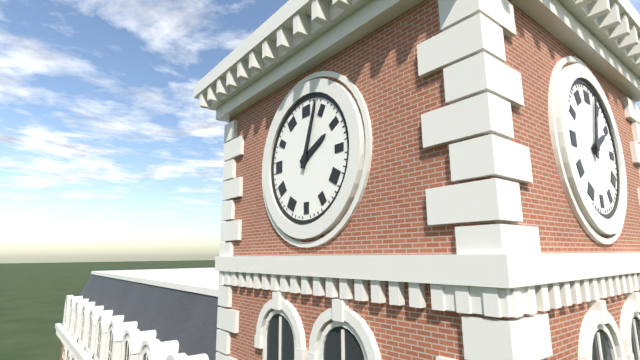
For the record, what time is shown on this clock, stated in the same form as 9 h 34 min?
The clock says 2 h 03 min
